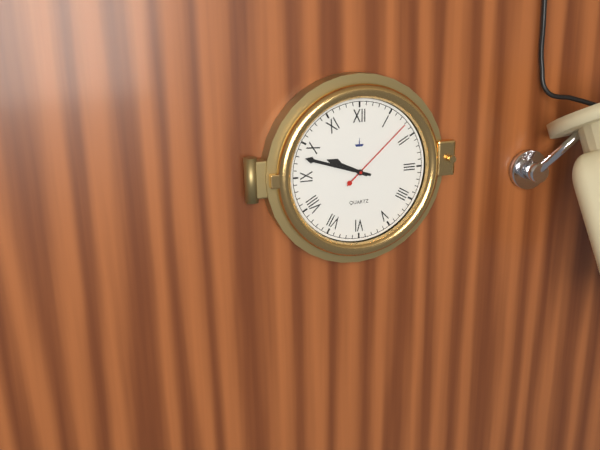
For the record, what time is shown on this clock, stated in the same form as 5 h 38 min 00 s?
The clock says 9 h 48 min 08 s
